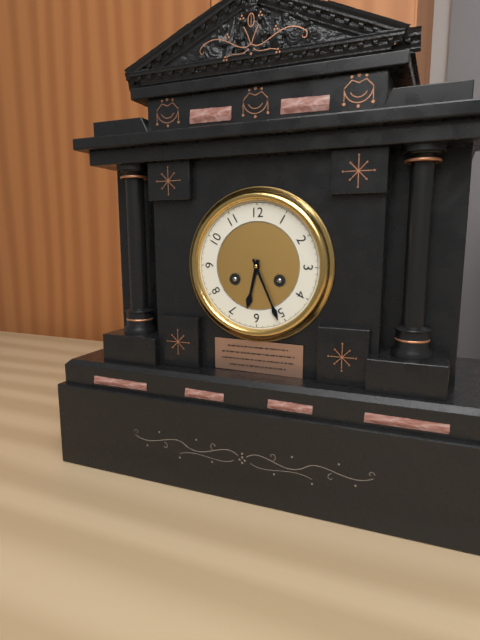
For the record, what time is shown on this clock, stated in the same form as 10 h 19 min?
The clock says 6 h 26 min
